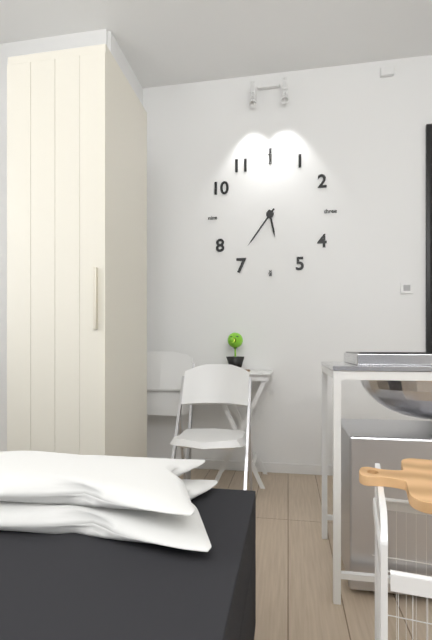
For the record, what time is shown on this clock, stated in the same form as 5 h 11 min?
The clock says 5 h 36 min
